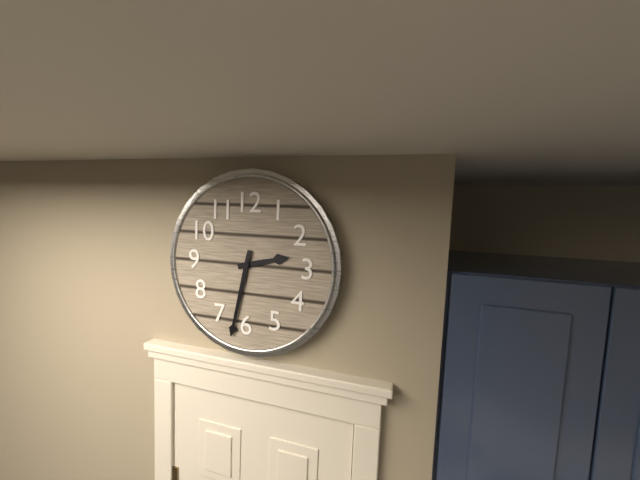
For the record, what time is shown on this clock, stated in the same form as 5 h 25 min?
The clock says 2 h 32 min
